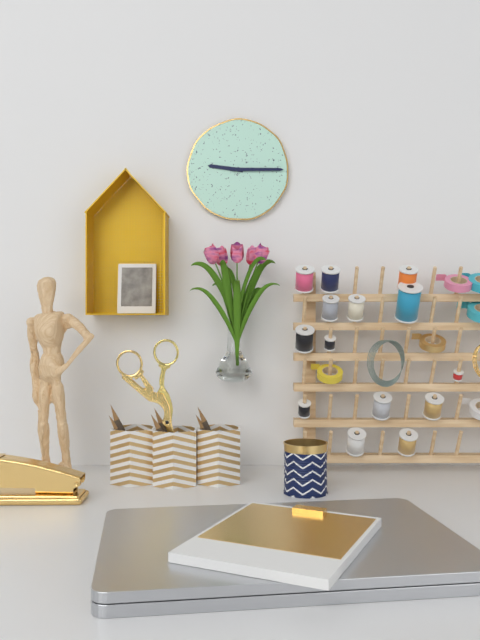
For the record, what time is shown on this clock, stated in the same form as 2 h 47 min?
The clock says 9 h 15 min
